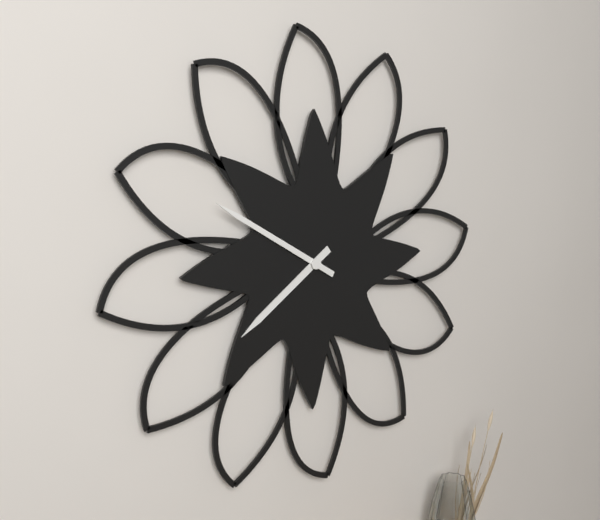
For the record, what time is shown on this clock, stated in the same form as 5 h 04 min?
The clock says 7 h 50 min
